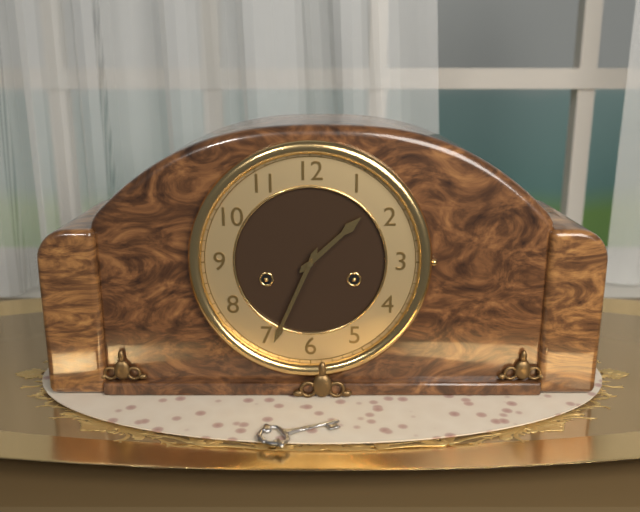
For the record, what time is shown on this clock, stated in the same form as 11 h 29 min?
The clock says 1 h 34 min
